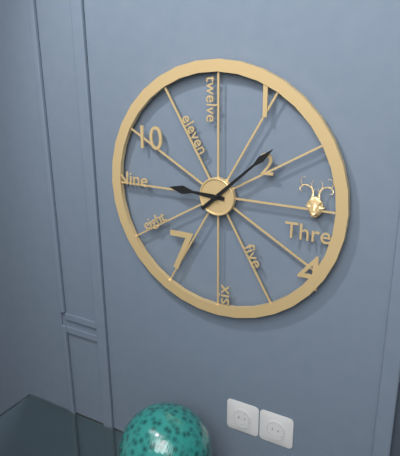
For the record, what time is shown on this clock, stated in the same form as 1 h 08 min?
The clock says 9 h 08 min
